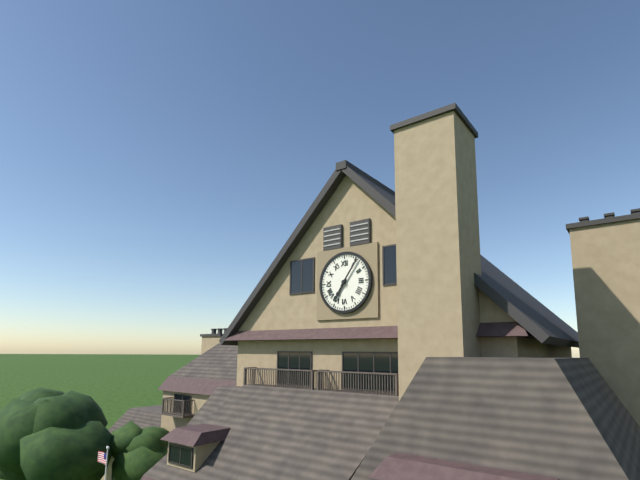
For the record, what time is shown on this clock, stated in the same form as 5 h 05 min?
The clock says 7 h 06 min
